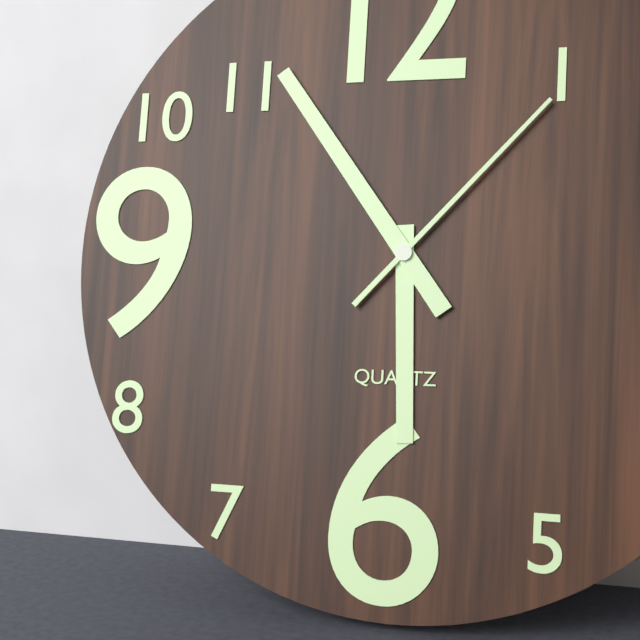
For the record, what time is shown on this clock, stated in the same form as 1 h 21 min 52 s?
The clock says 5 h 54 min 07 s
